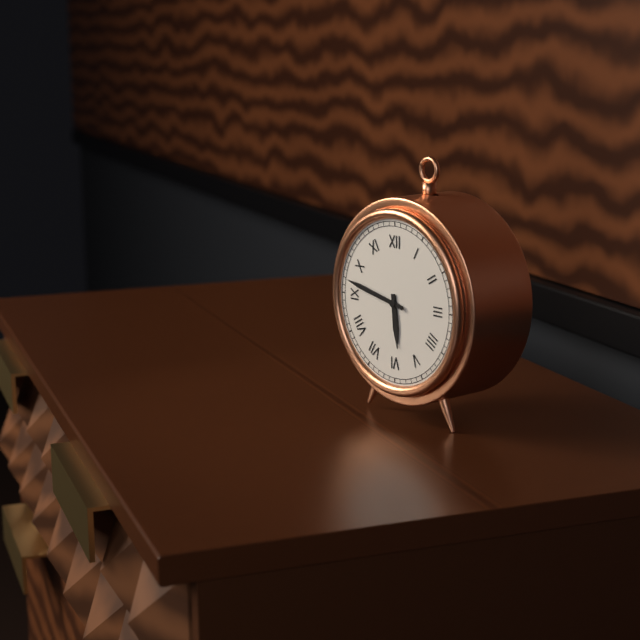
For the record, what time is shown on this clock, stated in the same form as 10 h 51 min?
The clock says 5 h 47 min
